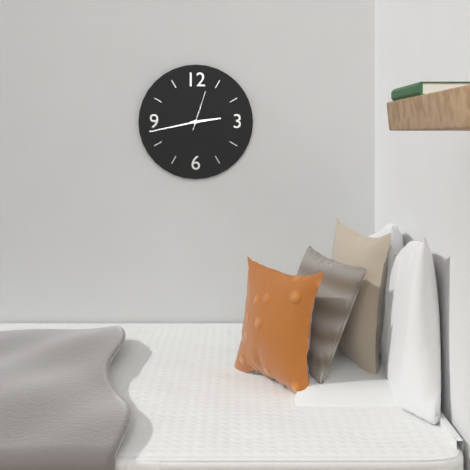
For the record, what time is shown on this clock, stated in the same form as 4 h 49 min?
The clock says 2 h 43 min
